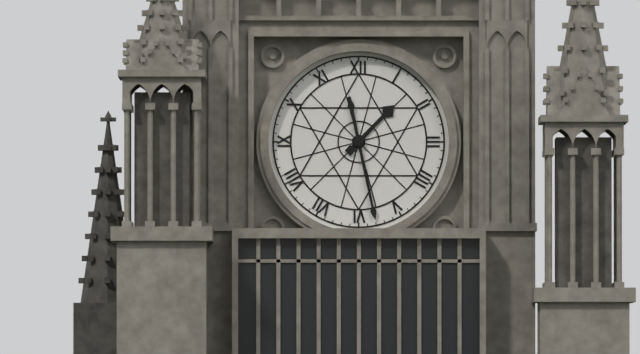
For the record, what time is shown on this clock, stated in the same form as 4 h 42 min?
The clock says 1 h 28 min
